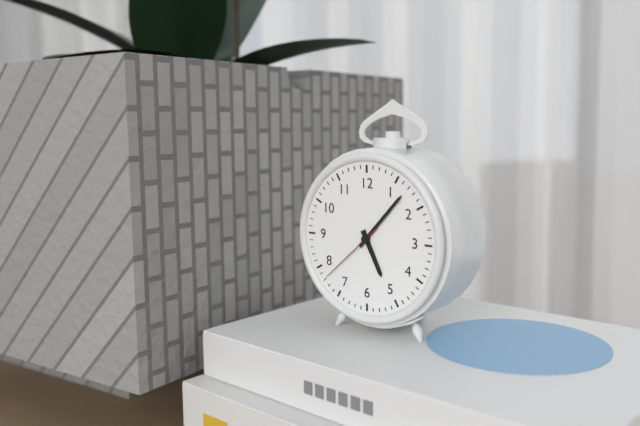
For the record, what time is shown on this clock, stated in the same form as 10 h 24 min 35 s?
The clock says 5 h 07 min 38 s
